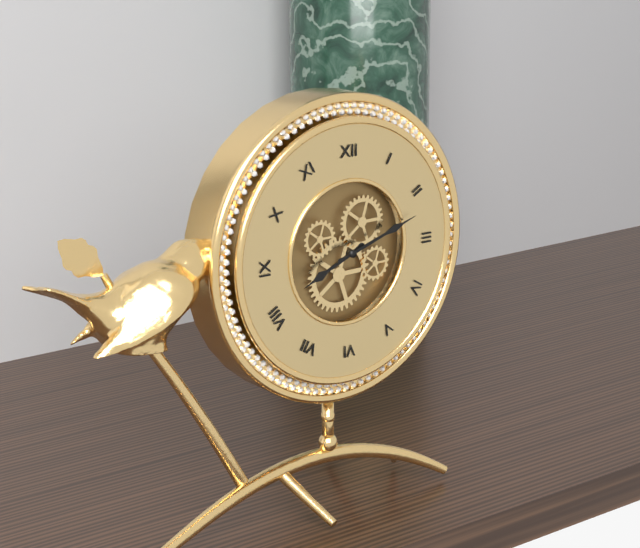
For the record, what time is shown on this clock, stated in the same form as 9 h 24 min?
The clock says 8 h 12 min
